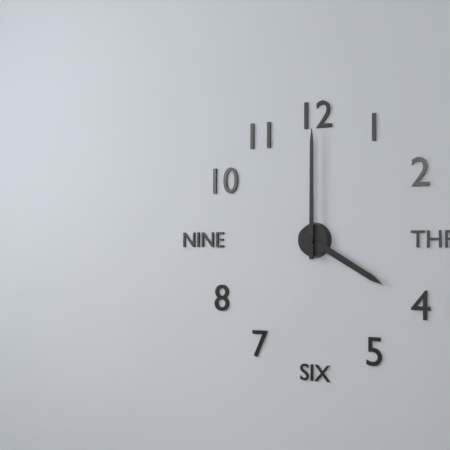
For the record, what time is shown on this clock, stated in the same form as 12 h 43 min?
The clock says 4 h 00 min
